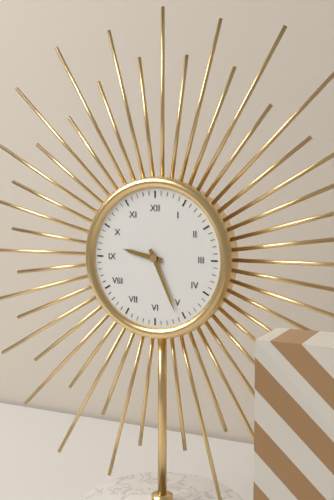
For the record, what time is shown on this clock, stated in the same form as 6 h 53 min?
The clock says 9 h 26 min
